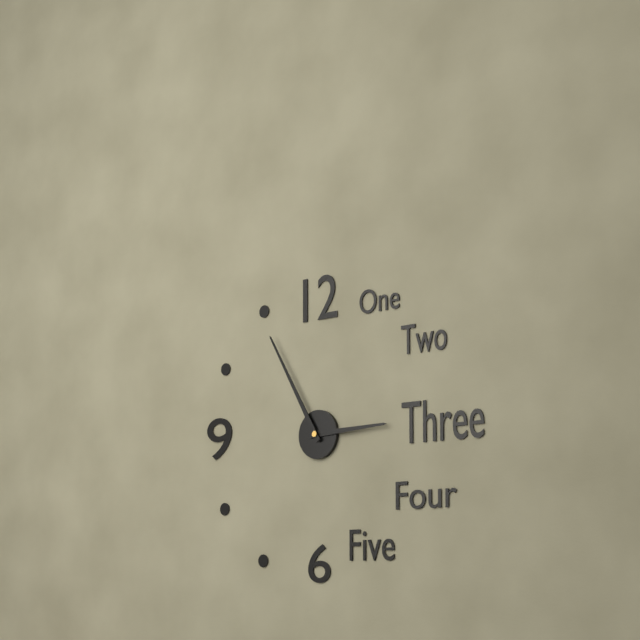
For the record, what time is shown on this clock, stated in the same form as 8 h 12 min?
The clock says 2 h 55 min
